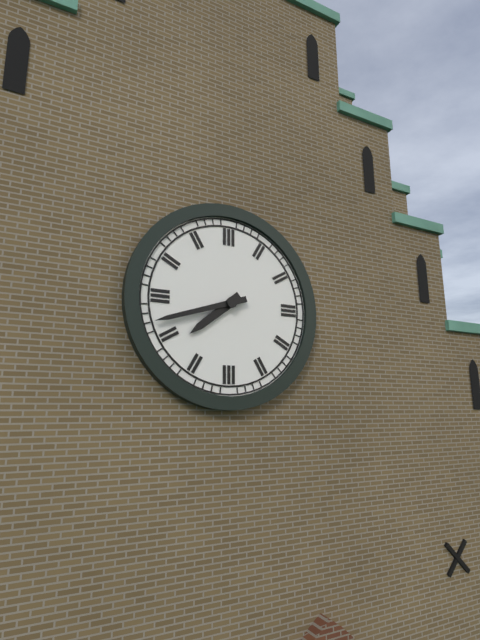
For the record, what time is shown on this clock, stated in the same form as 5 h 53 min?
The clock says 7 h 42 min
